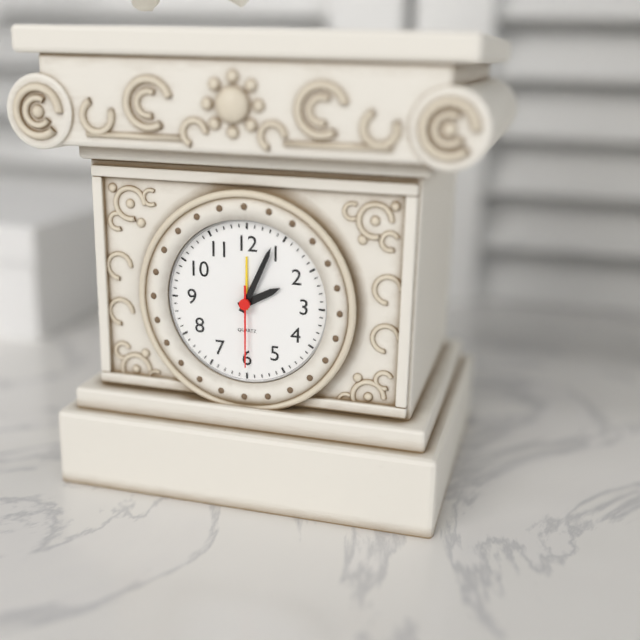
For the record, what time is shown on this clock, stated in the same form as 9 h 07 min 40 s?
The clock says 2 h 04 min 30 s
